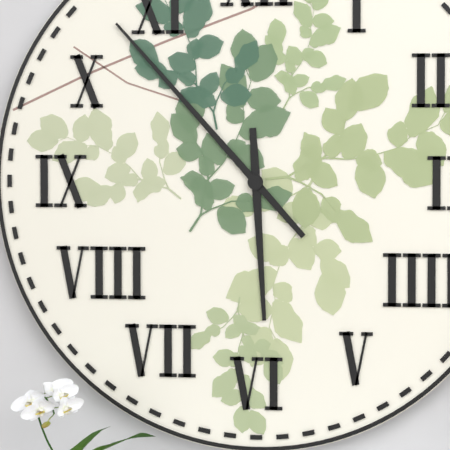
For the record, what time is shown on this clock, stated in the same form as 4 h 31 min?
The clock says 5 h 53 min
